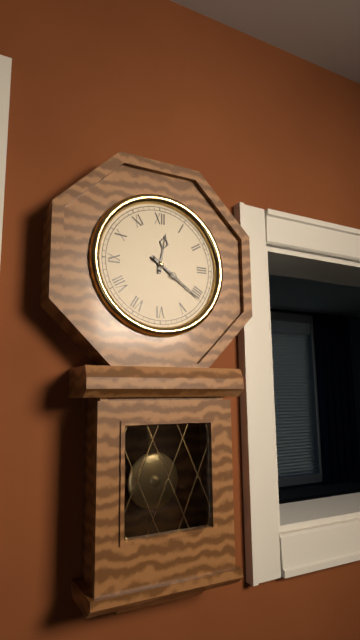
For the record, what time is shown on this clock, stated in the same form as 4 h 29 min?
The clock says 12 h 21 min
